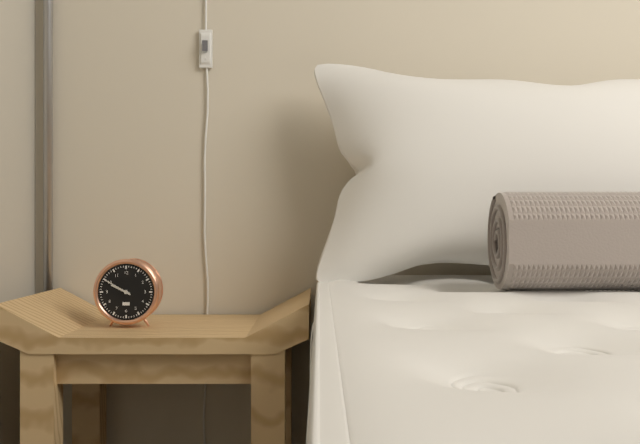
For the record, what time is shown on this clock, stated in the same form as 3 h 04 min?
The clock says 9 h 50 min
